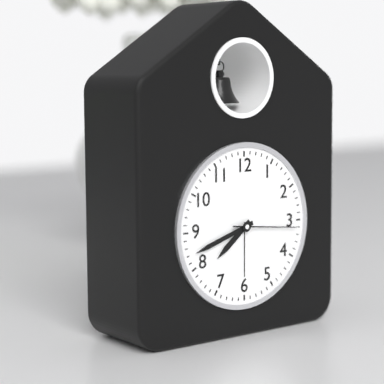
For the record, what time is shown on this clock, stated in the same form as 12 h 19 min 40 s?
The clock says 7 h 42 min 16 s
